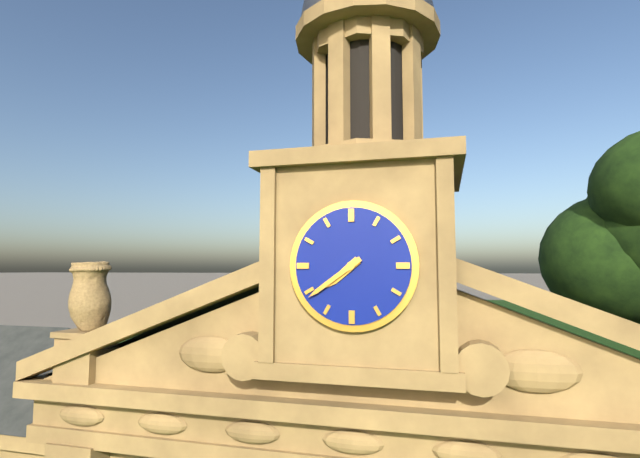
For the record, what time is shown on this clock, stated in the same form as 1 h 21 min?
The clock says 7 h 39 min
